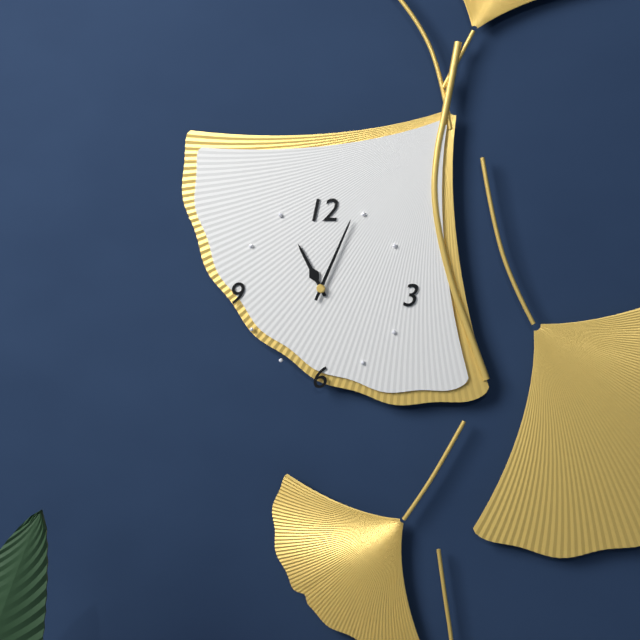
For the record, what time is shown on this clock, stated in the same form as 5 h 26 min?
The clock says 11 h 04 min
